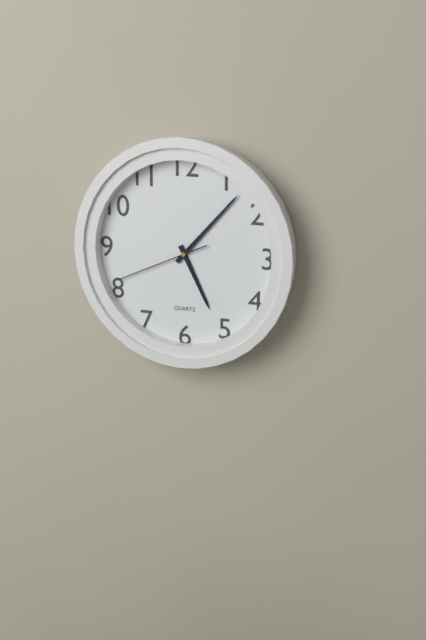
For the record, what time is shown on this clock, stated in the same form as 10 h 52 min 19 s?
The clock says 5 h 07 min 41 s
